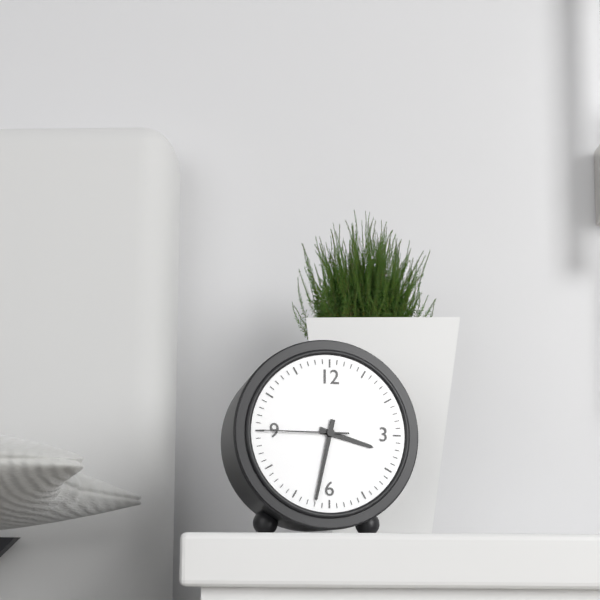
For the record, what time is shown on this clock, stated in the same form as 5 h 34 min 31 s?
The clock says 3 h 32 min 45 s
